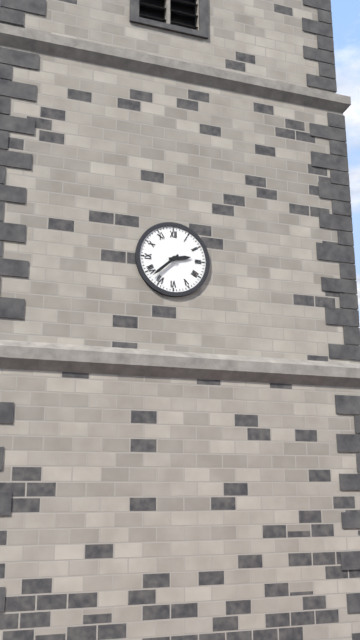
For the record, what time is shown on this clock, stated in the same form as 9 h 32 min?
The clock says 2 h 38 min
